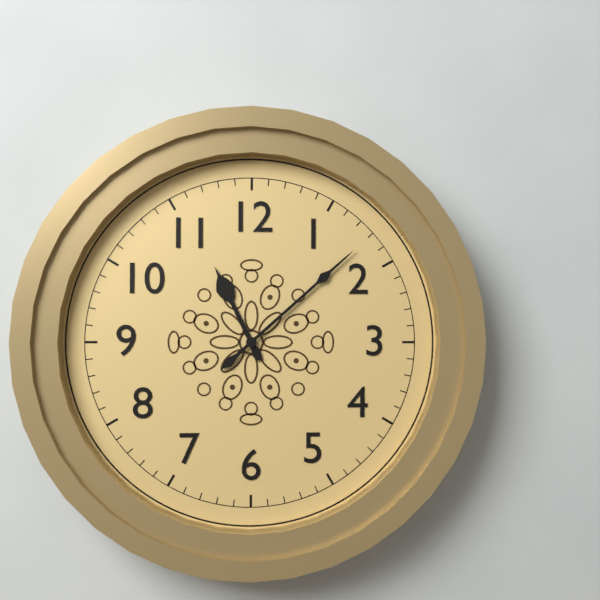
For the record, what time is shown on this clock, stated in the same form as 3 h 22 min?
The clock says 11 h 08 min
